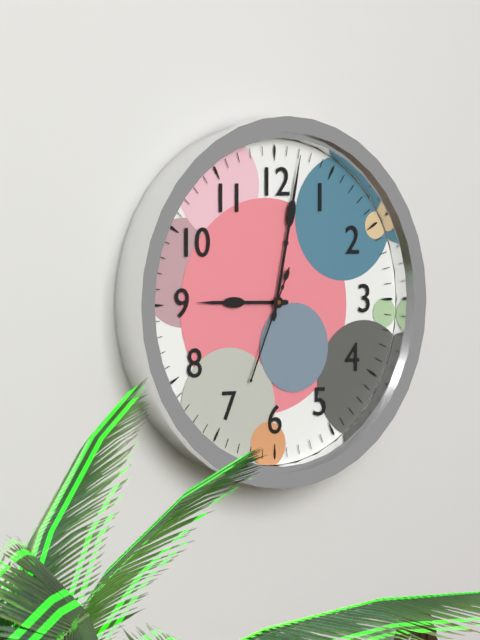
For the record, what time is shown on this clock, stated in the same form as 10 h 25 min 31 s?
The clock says 9 h 02 min 34 s
